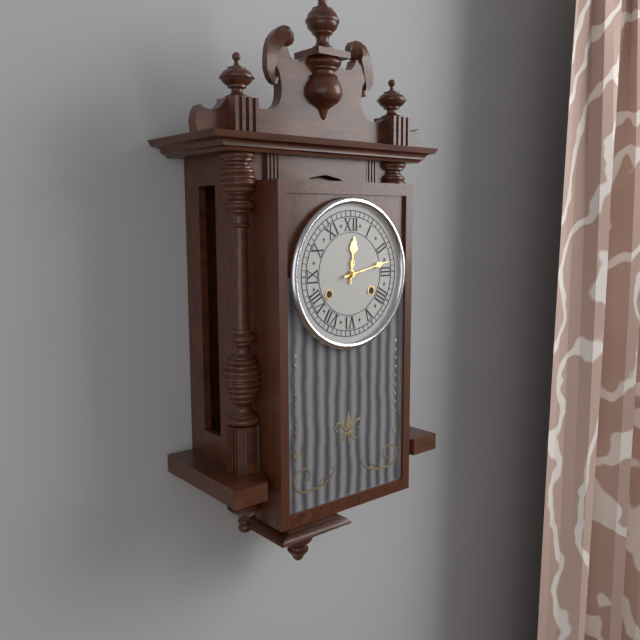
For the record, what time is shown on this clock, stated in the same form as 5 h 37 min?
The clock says 12 h 13 min
